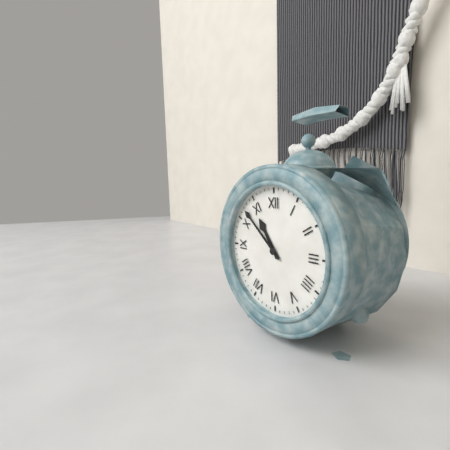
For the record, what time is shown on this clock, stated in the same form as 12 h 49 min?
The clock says 10 h 52 min
